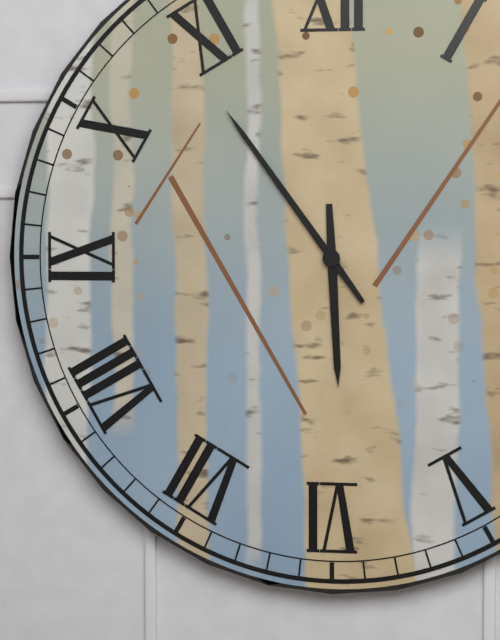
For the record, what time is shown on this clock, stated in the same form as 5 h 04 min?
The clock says 5 h 54 min
